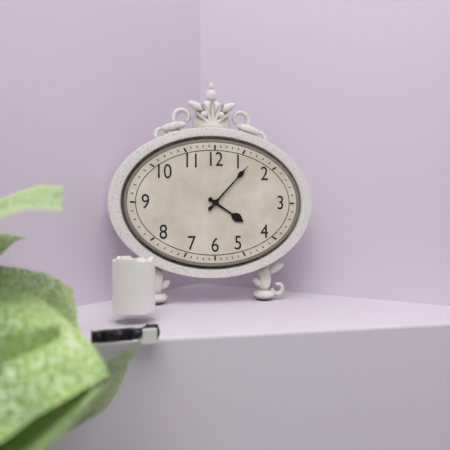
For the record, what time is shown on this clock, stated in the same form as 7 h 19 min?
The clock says 4 h 07 min
